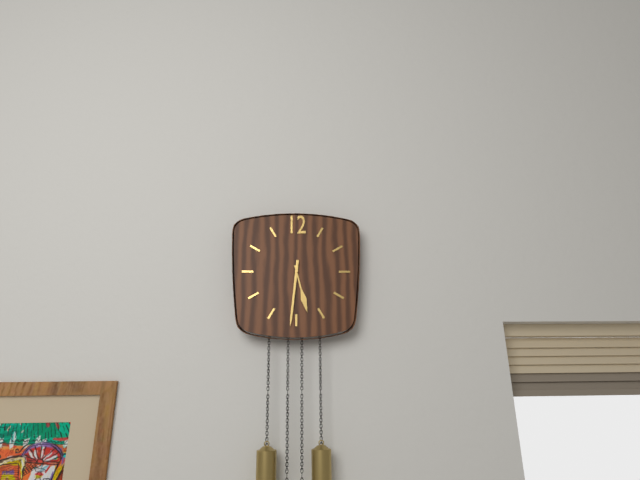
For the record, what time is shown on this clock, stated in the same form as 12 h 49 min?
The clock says 5 h 31 min
